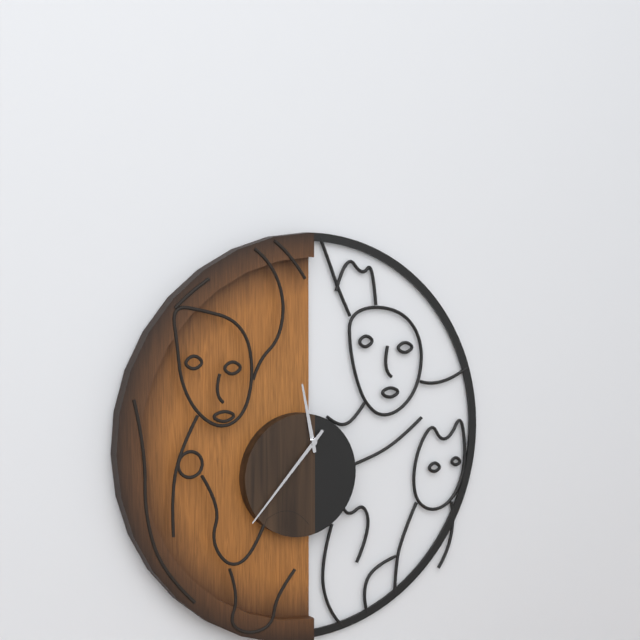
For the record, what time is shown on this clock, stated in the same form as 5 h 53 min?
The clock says 11 h 37 min
